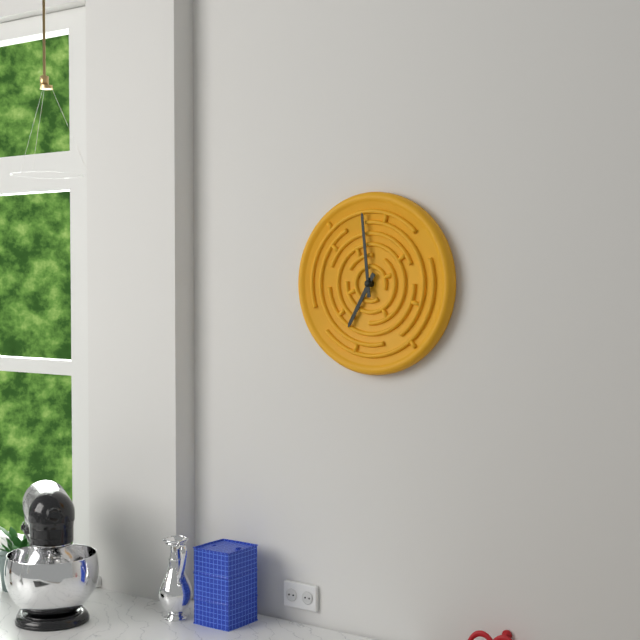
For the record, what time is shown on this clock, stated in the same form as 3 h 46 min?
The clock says 6 h 59 min
